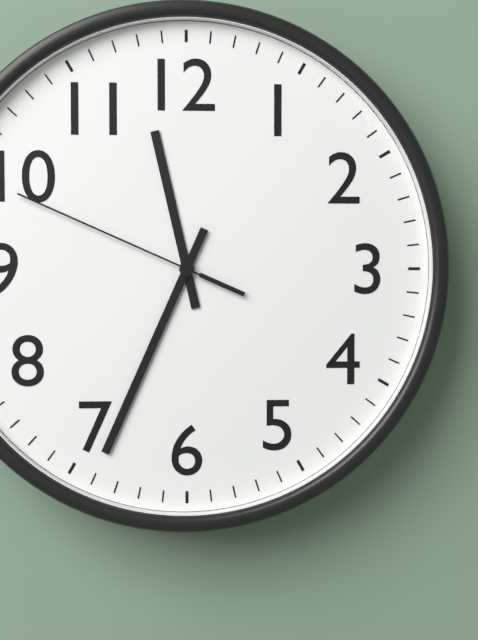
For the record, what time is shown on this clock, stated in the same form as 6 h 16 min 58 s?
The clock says 11 h 34 min 49 s
